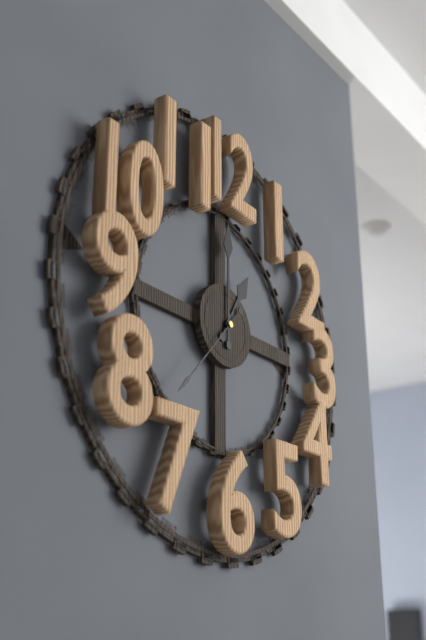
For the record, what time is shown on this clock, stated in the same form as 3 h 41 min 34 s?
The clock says 1 h 00 min 37 s
